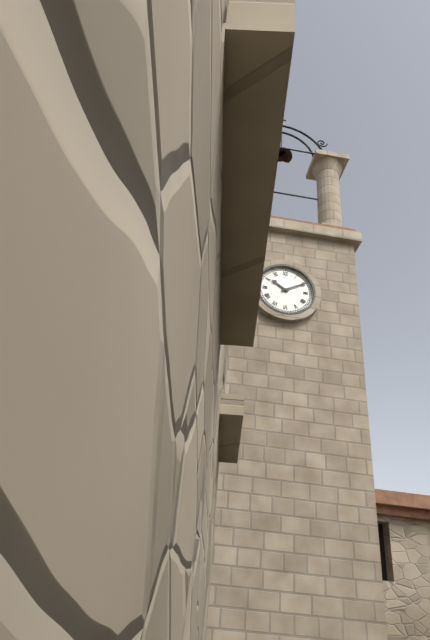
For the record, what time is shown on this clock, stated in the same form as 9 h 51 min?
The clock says 10 h 10 min
